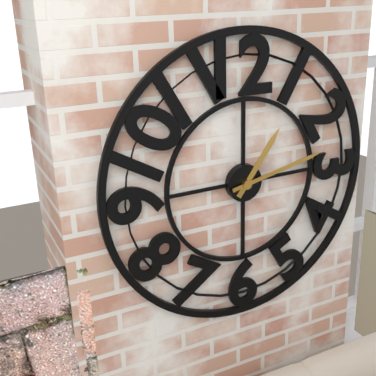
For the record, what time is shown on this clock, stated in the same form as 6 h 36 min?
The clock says 1 h 13 min
